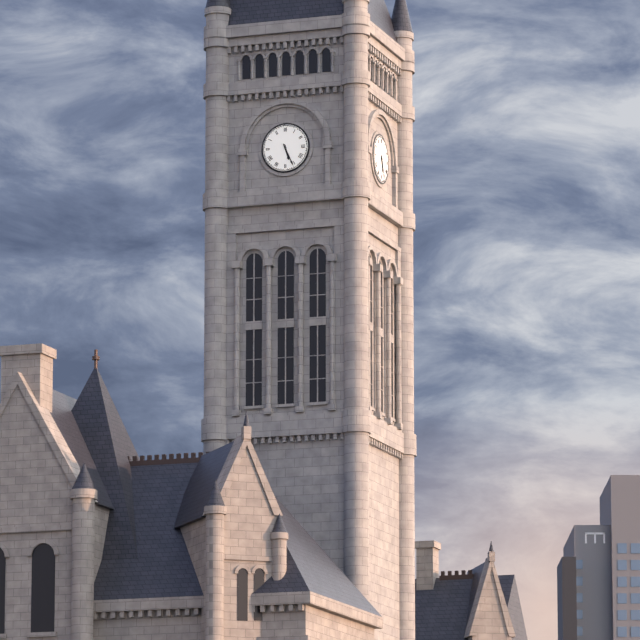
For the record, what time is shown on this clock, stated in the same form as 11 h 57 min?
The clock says 5 h 26 min
